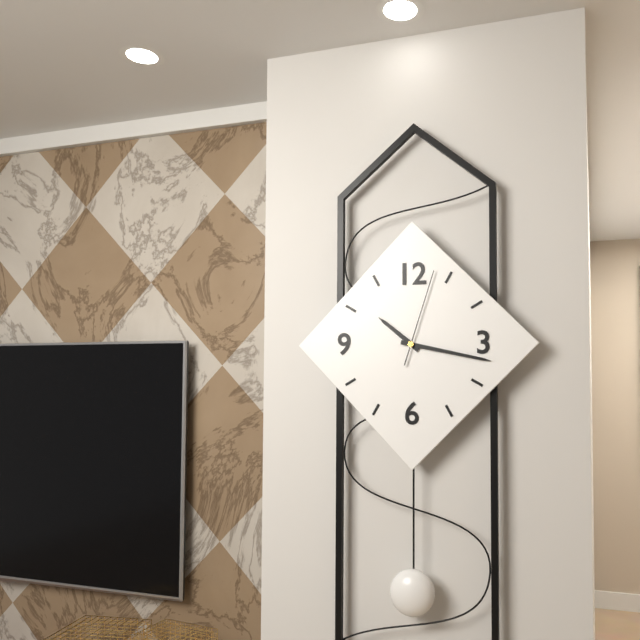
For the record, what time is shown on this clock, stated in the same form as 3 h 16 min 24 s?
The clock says 10 h 17 min 03 s
